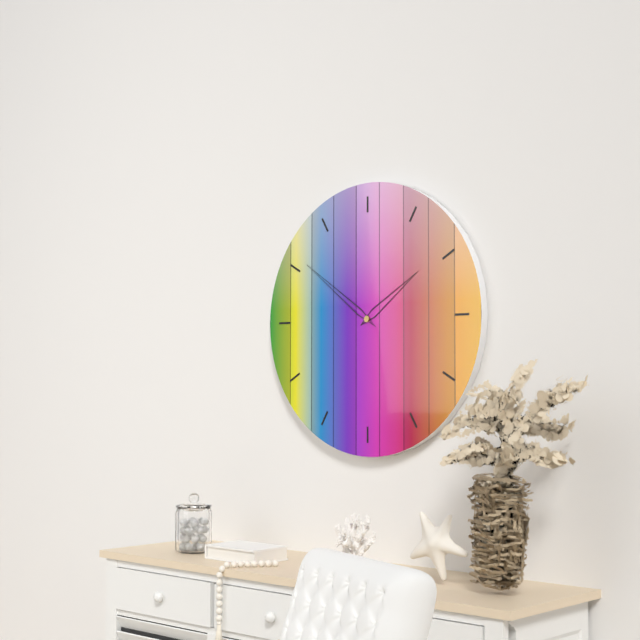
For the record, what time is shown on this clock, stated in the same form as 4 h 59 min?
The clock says 1 h 51 min
